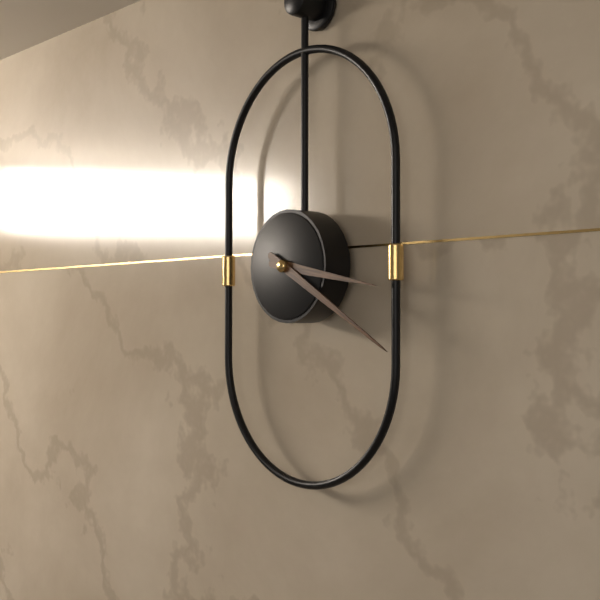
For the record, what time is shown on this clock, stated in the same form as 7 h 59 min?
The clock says 3 h 20 min
